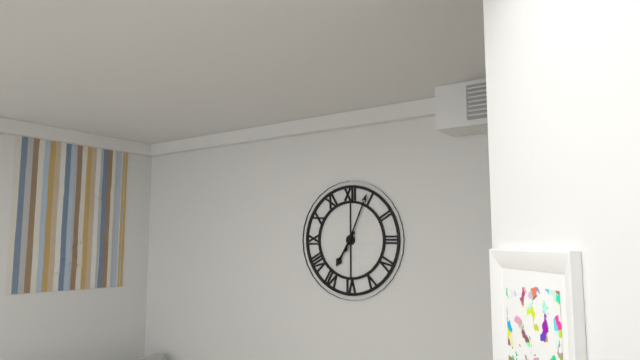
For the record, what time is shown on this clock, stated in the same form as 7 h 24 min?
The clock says 7 h 04 min
